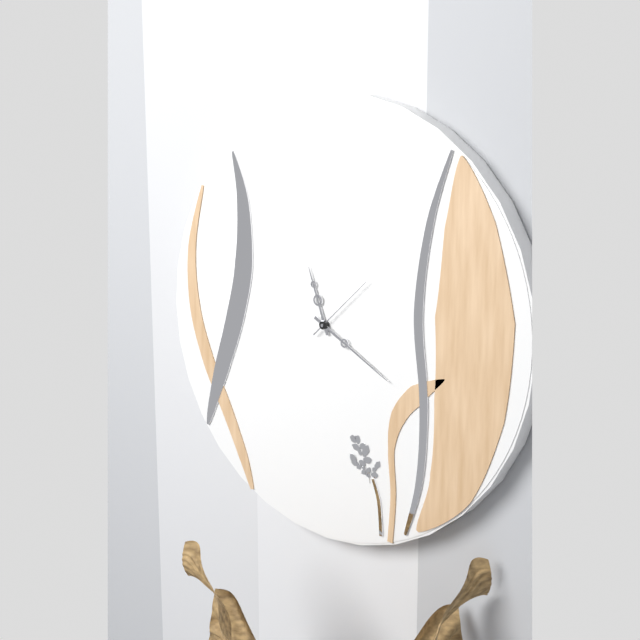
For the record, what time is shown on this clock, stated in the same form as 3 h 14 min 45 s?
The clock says 11 h 20 min 08 s
